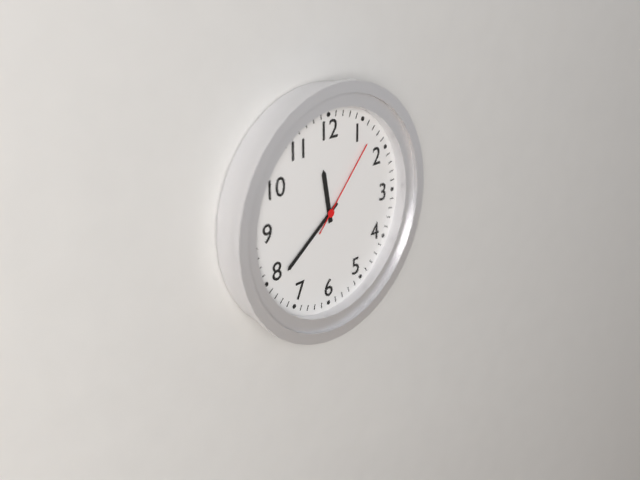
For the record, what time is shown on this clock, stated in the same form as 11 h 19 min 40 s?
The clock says 11 h 39 min 07 s
